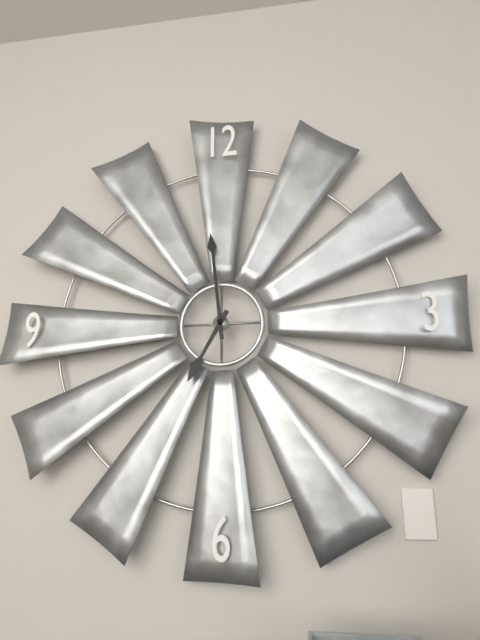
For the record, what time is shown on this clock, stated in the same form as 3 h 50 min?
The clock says 6 h 59 min
